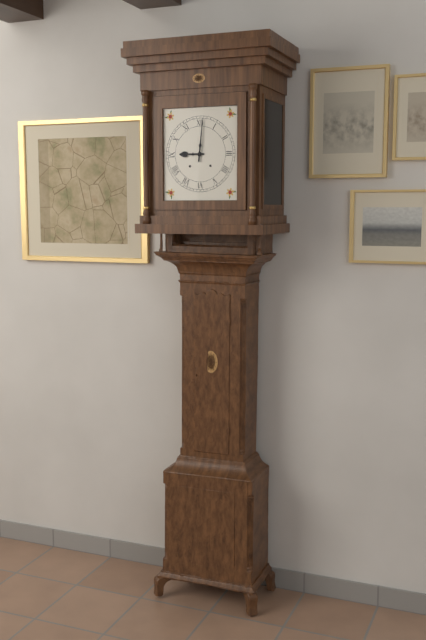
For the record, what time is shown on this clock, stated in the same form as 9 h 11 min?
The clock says 9 h 01 min
